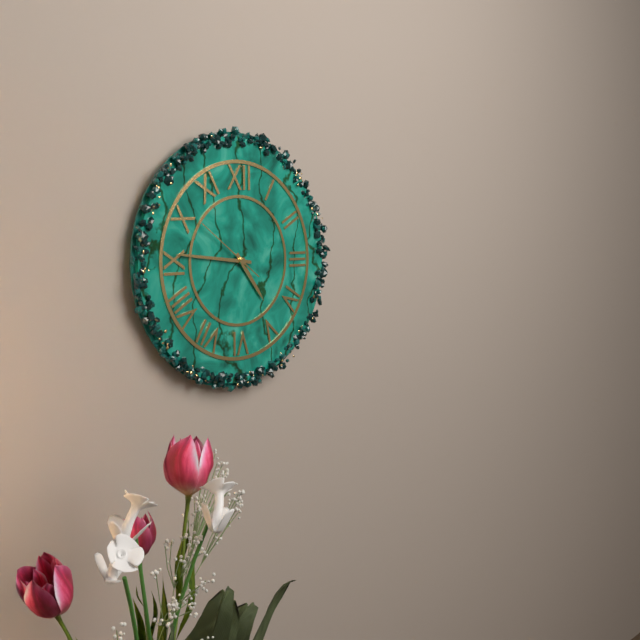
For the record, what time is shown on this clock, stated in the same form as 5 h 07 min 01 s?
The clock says 4 h 46 min 51 s
